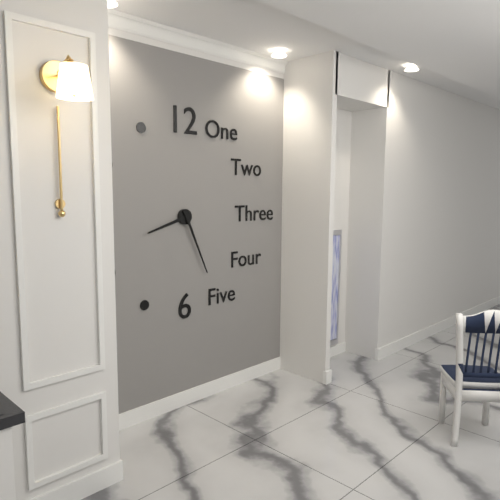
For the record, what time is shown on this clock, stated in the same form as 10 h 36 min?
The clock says 8 h 26 min
